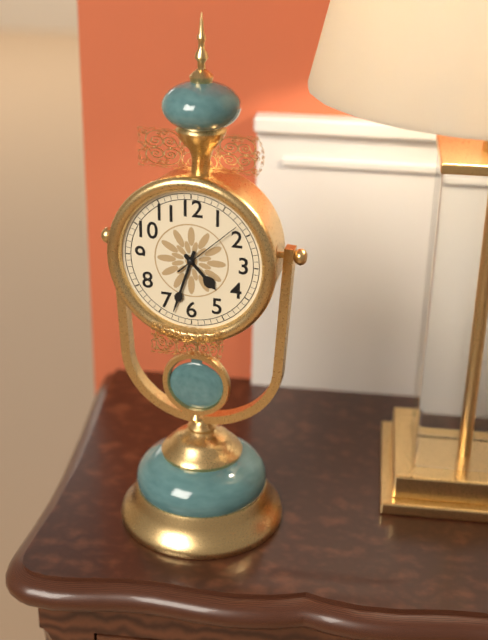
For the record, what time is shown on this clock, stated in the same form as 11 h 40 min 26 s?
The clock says 4 h 33 min 08 s
